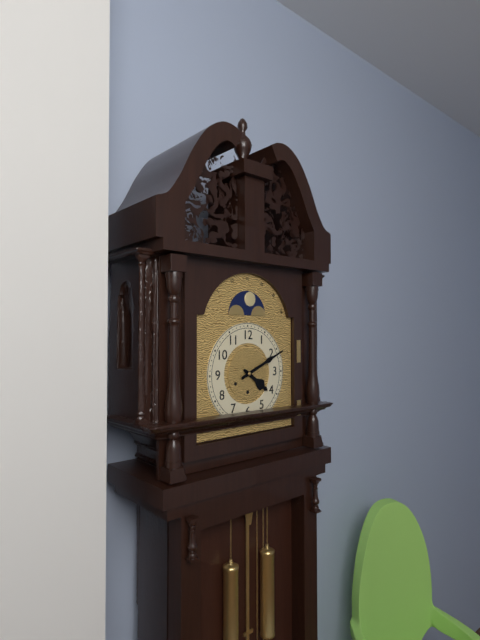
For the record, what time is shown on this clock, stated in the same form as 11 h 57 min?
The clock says 4 h 11 min
